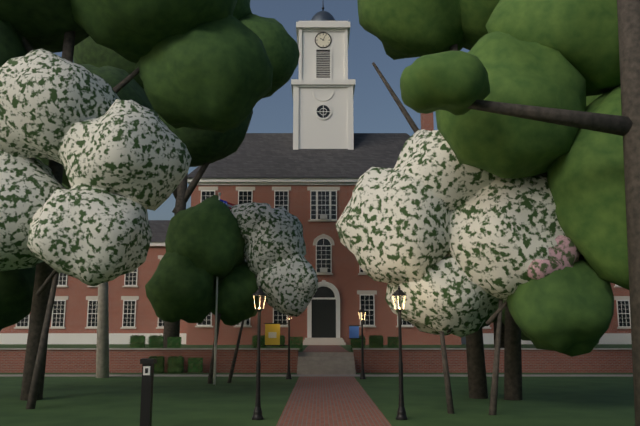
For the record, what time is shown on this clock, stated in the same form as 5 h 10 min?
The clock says 10 h 04 min
